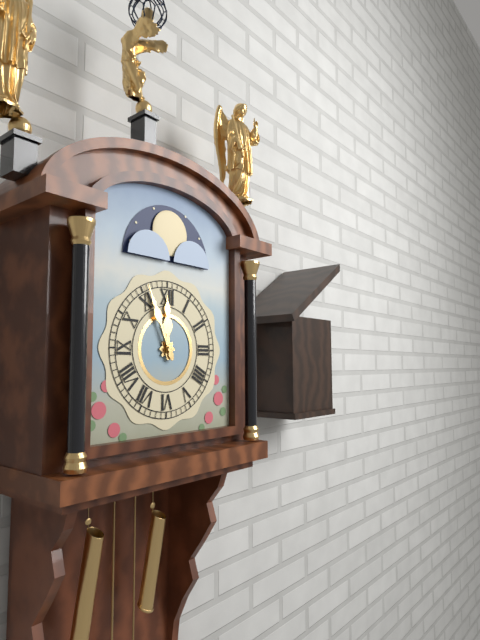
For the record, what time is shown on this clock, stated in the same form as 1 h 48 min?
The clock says 11 h 56 min
